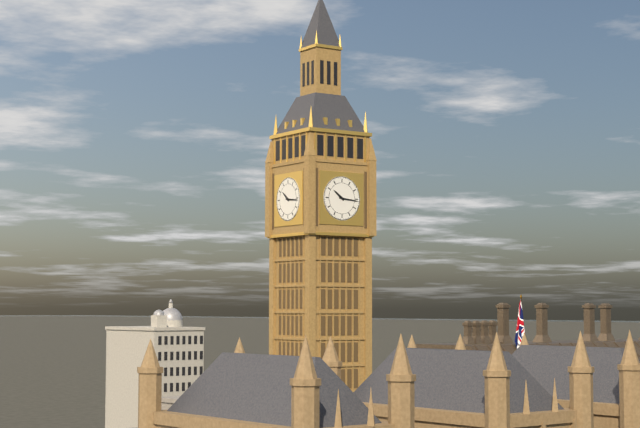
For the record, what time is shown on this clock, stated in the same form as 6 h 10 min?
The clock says 10 h 16 min
